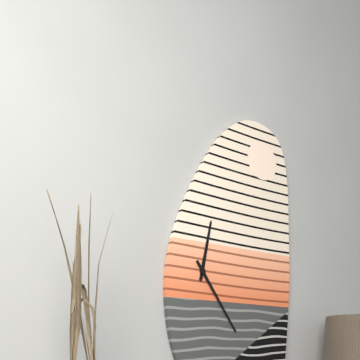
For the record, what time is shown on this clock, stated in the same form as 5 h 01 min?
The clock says 12 h 24 min
